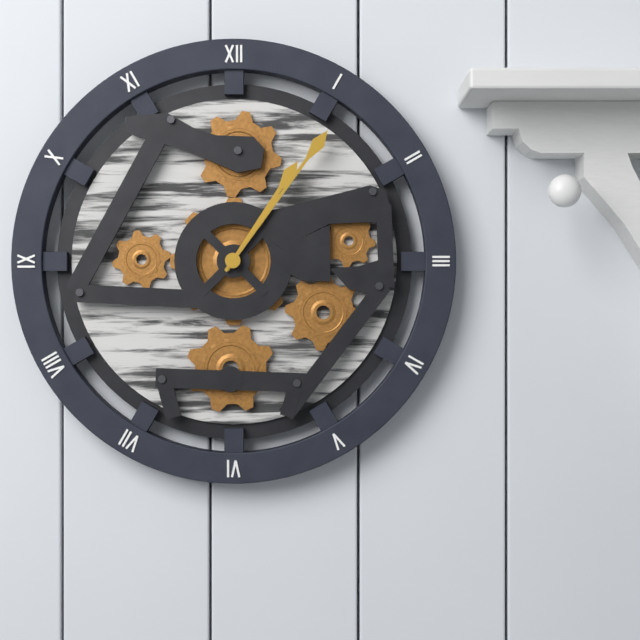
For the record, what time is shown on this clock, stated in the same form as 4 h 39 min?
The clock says 1 h 06 min
